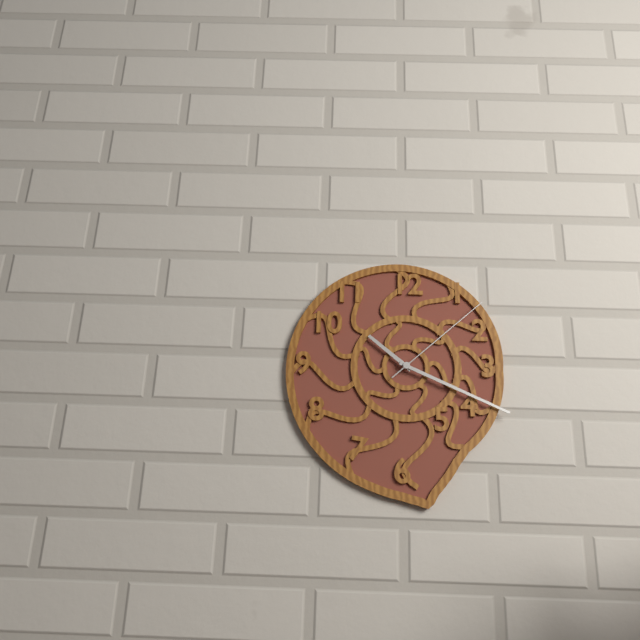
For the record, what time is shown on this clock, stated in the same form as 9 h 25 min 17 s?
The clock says 10 h 19 min 08 s
